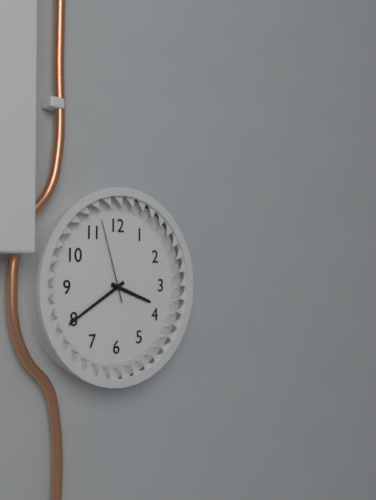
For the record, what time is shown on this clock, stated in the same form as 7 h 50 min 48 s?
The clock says 3 h 40 min 57 s
